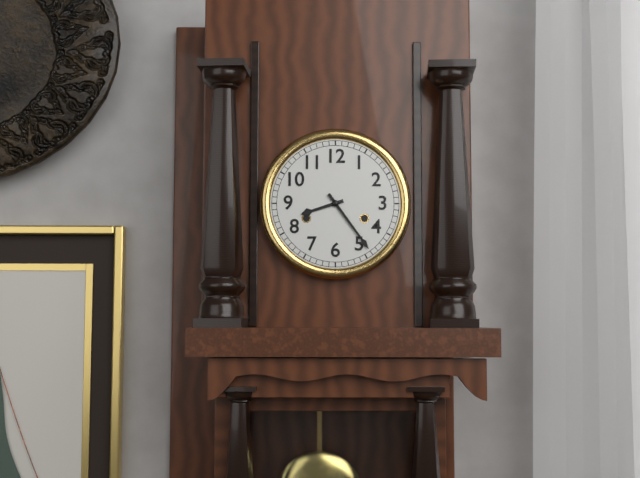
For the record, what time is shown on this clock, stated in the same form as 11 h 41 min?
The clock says 8 h 24 min
